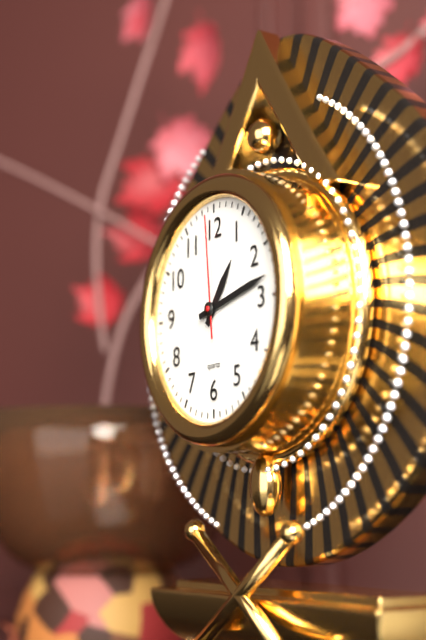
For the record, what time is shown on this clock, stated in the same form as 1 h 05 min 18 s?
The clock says 1 h 13 min 59 s
